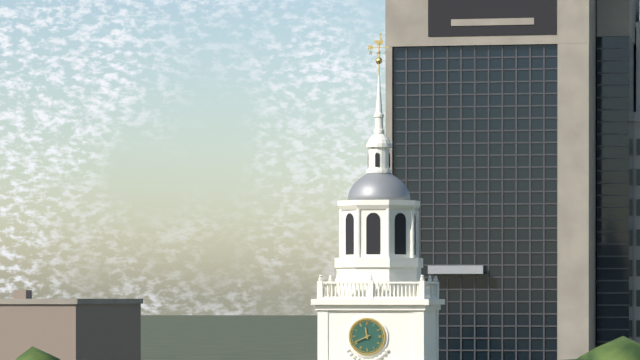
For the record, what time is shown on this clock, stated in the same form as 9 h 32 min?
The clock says 11 h 41 min
